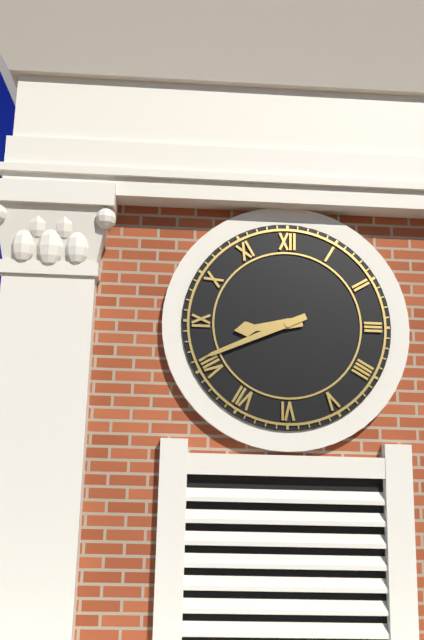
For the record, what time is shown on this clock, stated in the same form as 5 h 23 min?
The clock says 8 h 41 min
